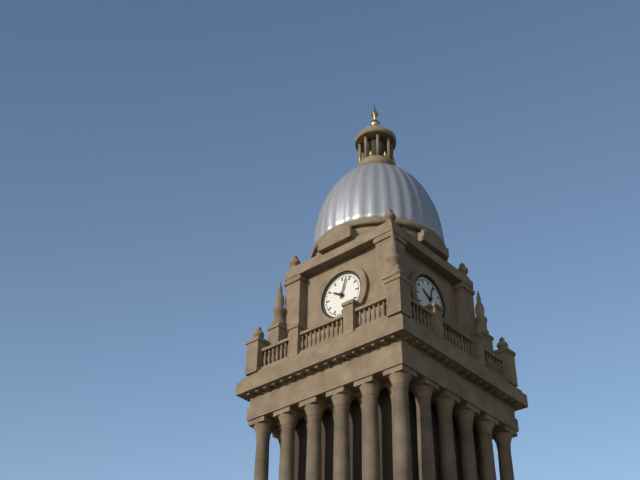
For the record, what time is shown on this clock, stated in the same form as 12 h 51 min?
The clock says 10 h 03 min
